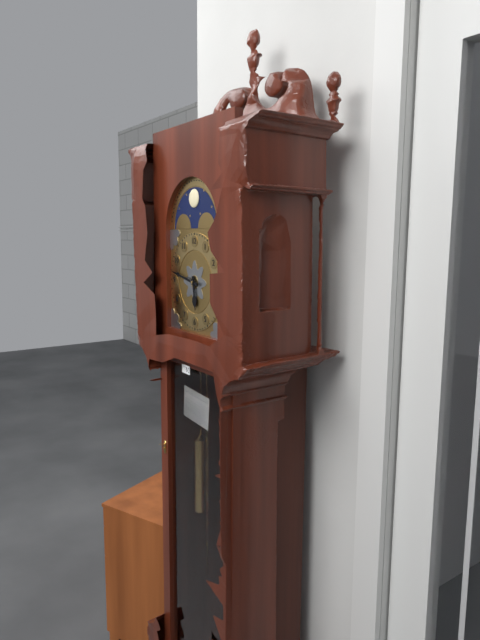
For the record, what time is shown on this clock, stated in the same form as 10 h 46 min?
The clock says 5 h 47 min
